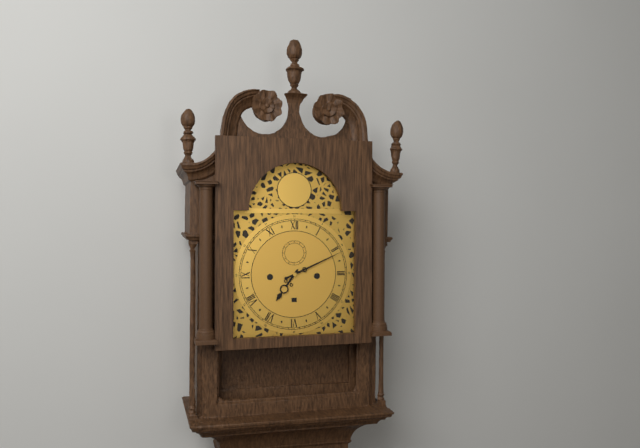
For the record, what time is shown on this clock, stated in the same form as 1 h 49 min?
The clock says 7 h 11 min
